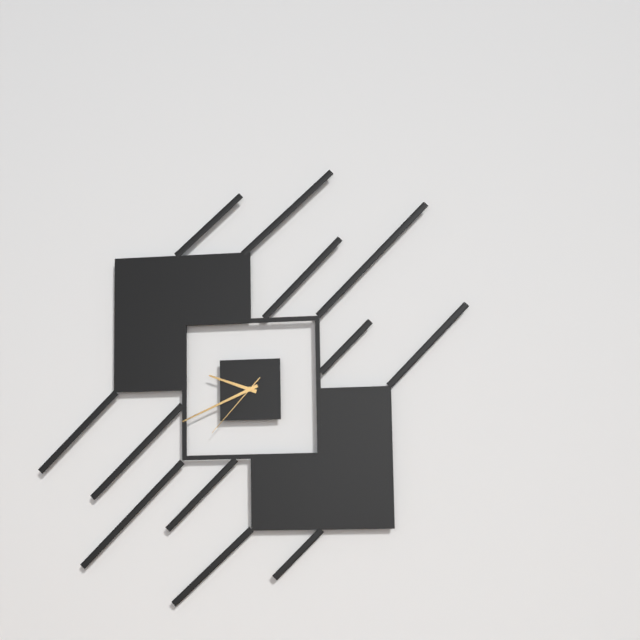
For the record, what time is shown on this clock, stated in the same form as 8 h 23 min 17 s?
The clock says 9 h 41 min 37 s
